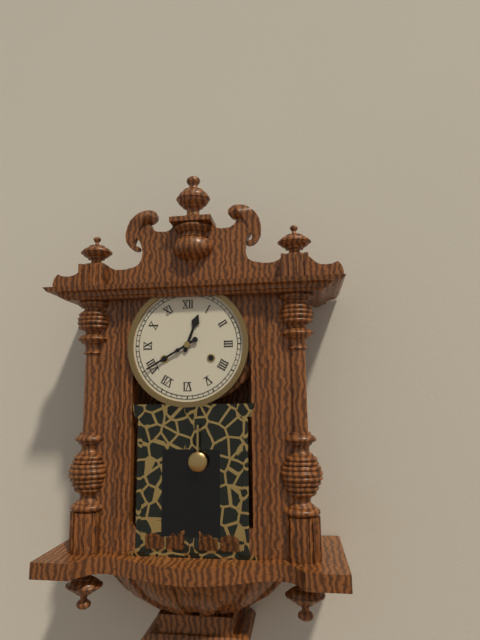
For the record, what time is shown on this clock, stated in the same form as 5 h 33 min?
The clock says 12 h 40 min
